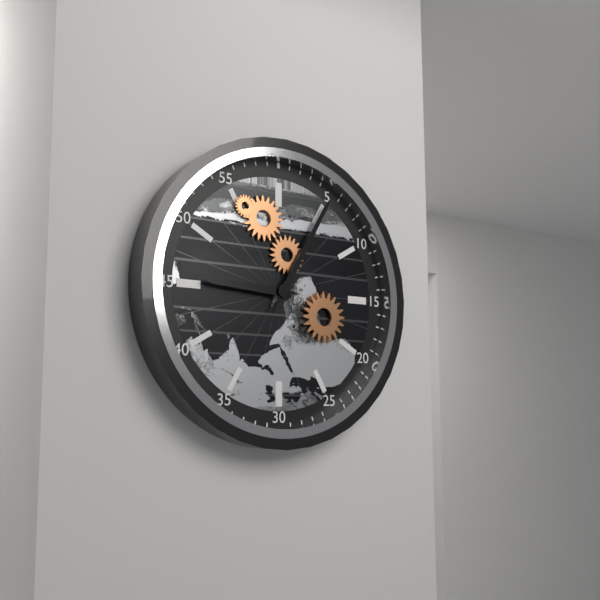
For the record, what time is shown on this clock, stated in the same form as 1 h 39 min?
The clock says 9 h 05 min
